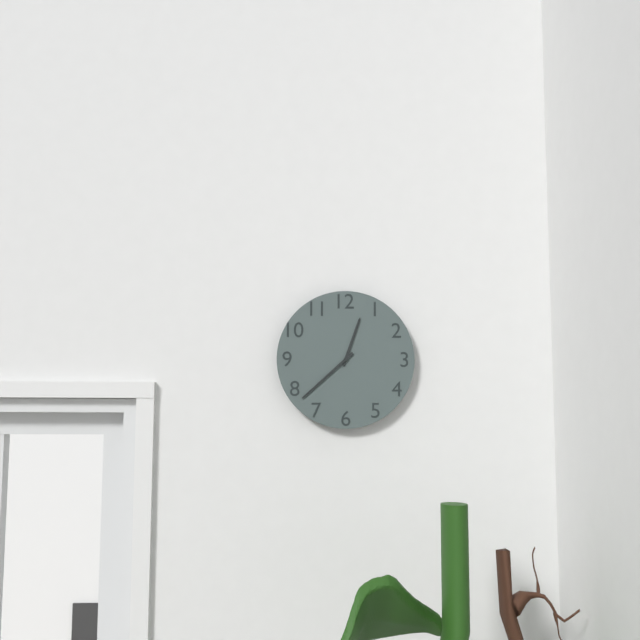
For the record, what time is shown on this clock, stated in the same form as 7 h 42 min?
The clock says 12 h 38 min
